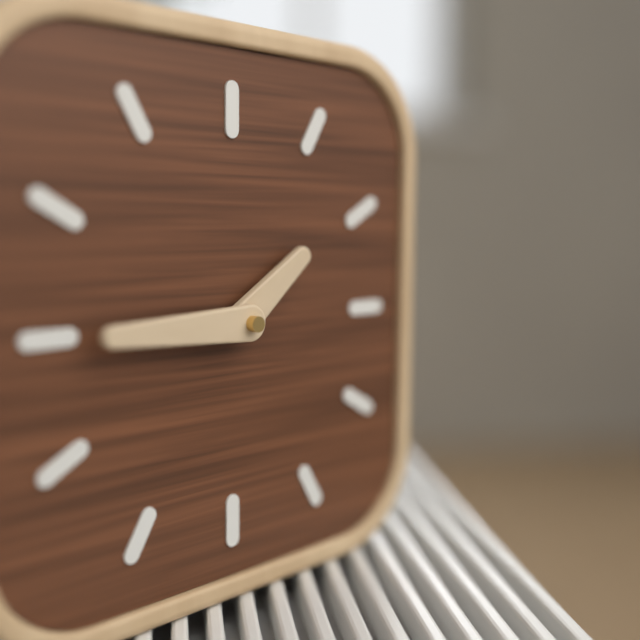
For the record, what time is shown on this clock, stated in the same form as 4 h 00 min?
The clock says 1 h 45 min
